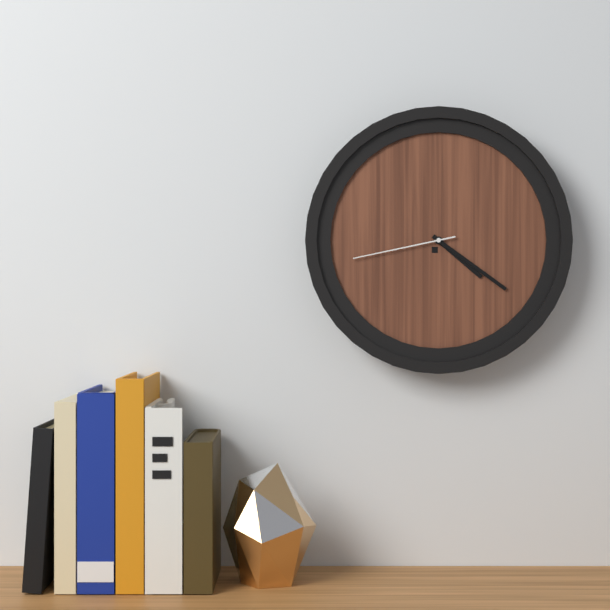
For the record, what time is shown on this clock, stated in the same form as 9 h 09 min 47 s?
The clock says 4 h 21 min 43 s
